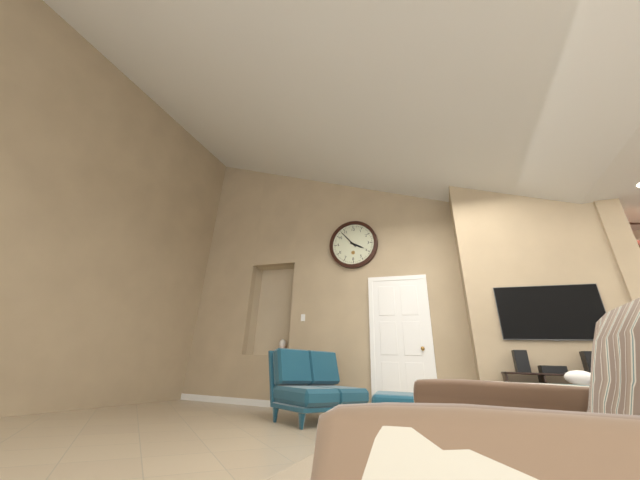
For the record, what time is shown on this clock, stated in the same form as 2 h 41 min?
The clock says 3 h 53 min
